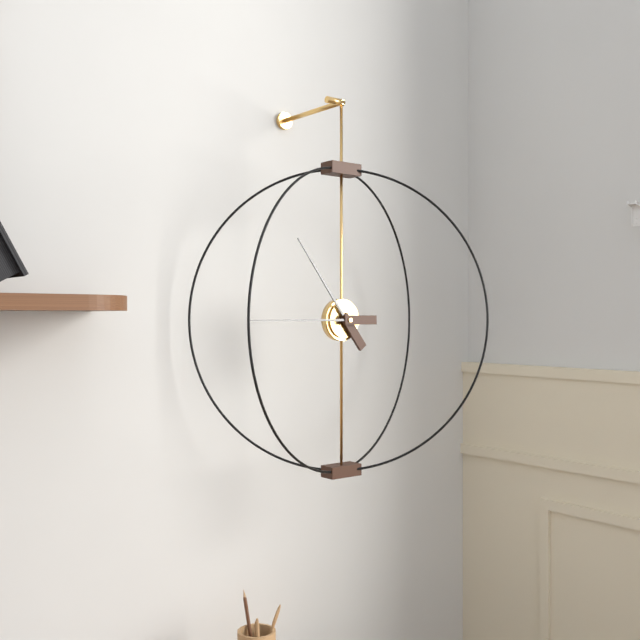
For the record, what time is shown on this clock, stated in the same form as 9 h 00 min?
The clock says 10 h 45 min
